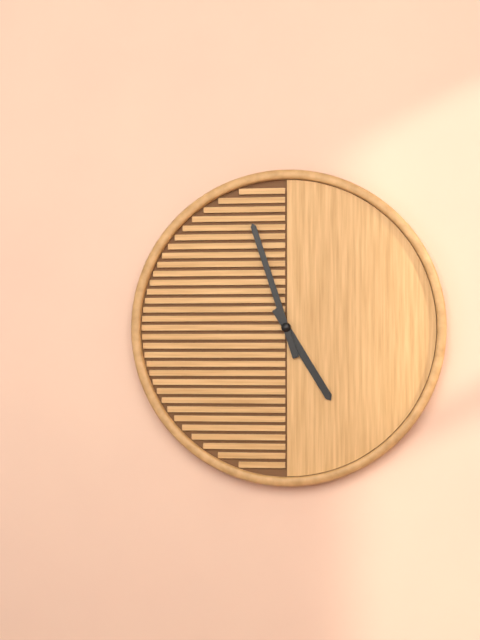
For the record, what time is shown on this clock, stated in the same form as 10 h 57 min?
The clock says 4 h 57 min
